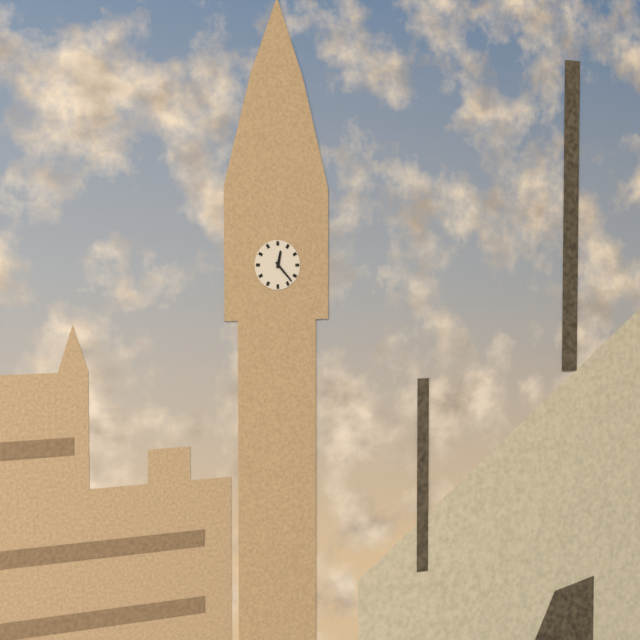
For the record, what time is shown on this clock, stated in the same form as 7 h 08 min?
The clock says 12 h 23 min
